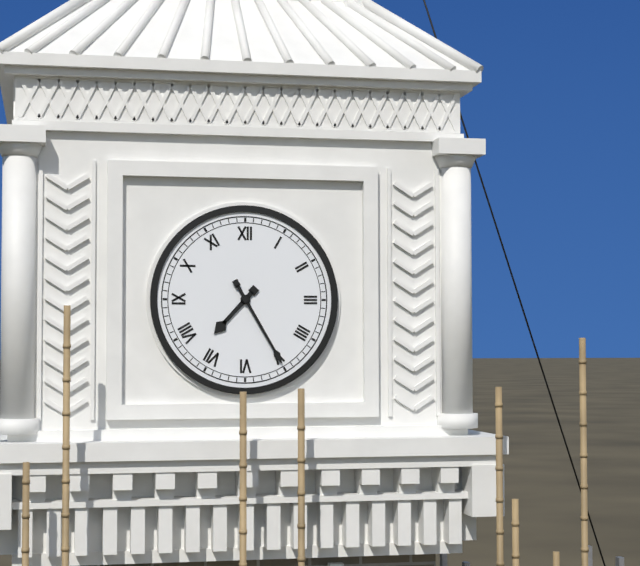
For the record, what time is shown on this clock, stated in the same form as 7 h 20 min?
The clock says 7 h 25 min
